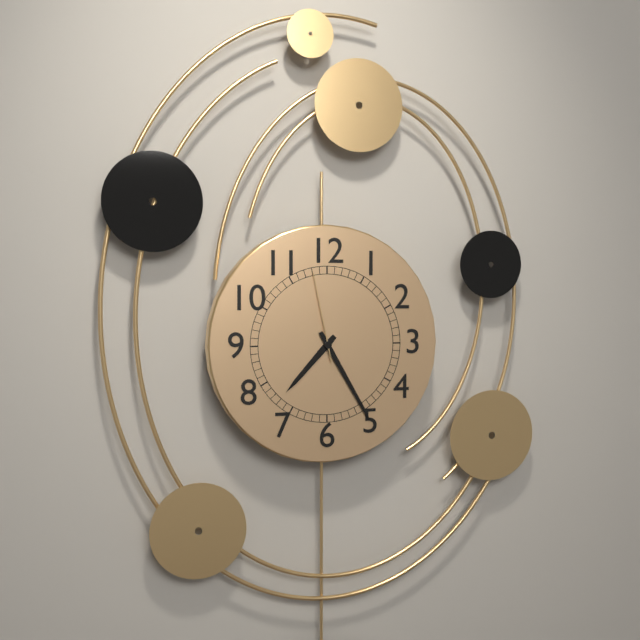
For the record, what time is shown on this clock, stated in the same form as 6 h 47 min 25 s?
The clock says 7 h 25 min 58 s
